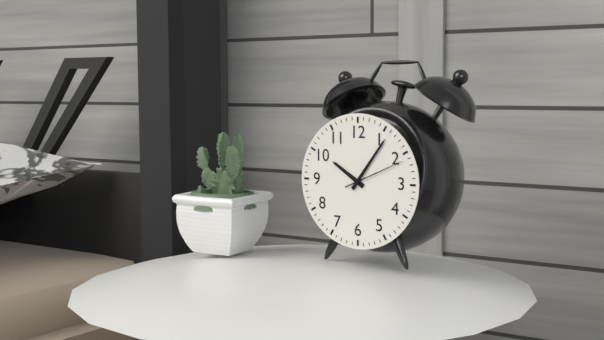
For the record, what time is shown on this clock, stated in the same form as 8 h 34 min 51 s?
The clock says 10 h 06 min 11 s
